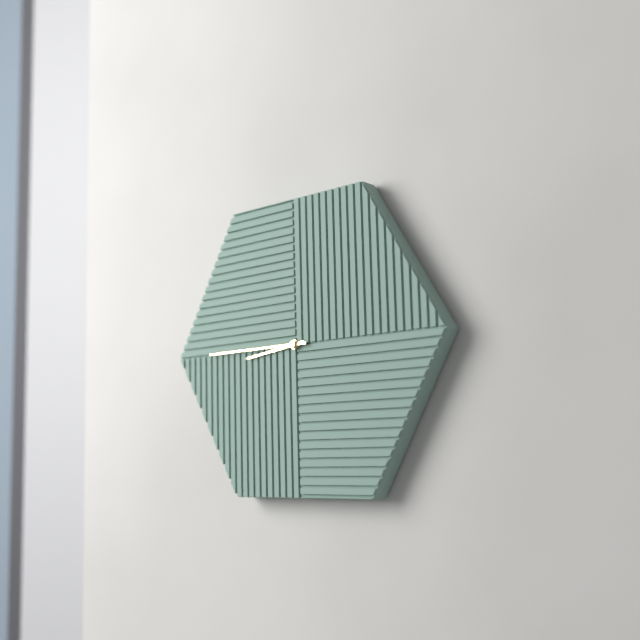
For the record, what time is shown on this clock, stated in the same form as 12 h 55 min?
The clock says 8 h 45 min
